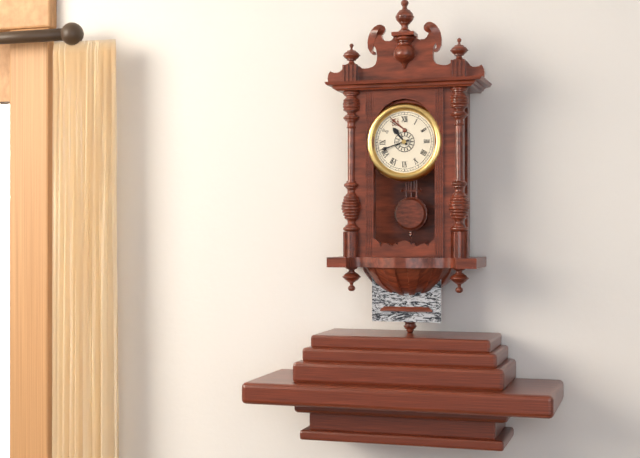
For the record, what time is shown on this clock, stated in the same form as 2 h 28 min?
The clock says 10 h 42 min
